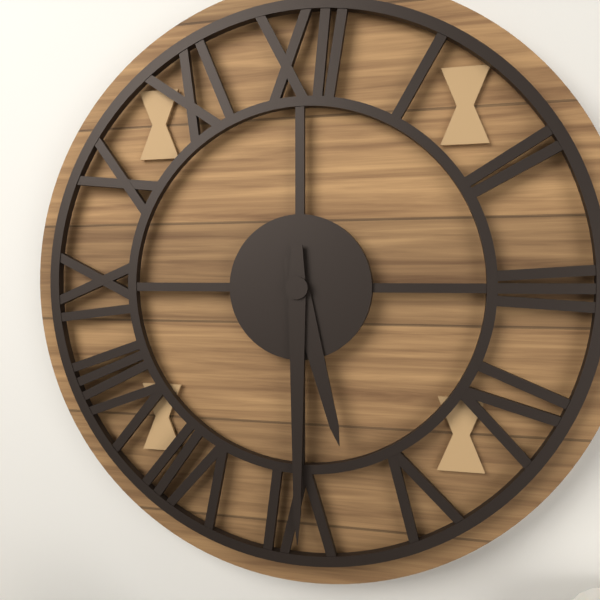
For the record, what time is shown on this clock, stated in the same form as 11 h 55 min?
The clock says 5 h 30 min
